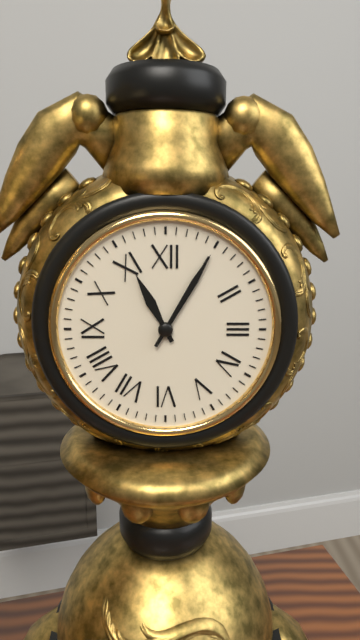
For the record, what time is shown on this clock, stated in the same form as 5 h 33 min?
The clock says 11 h 05 min
